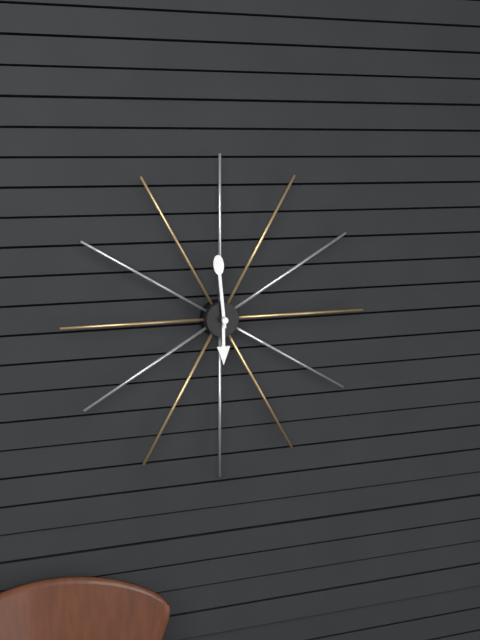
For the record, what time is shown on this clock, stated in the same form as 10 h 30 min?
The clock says 5 h 59 min
